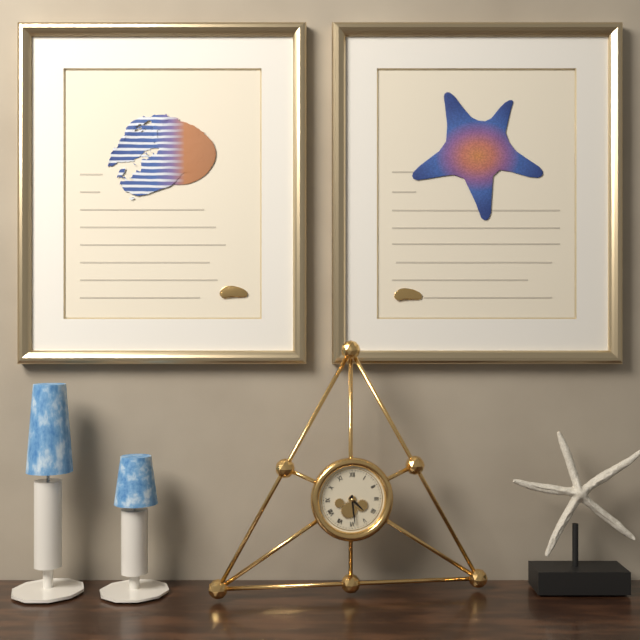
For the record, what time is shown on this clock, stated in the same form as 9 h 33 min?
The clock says 4 h 29 min
